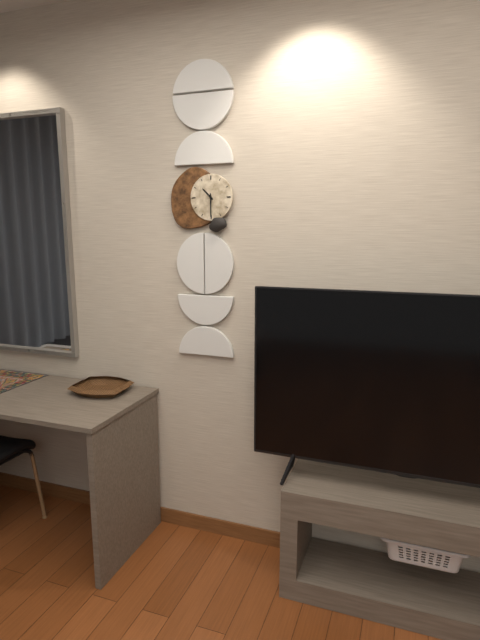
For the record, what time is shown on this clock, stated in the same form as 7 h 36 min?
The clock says 10 h 30 min
